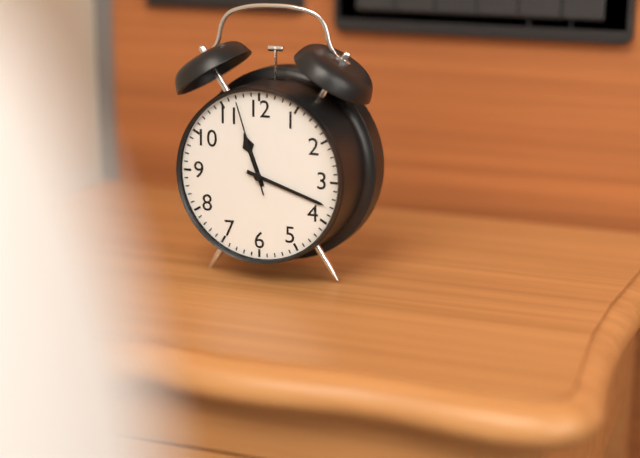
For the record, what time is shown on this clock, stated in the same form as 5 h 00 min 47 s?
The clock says 11 h 18 min 57 s
